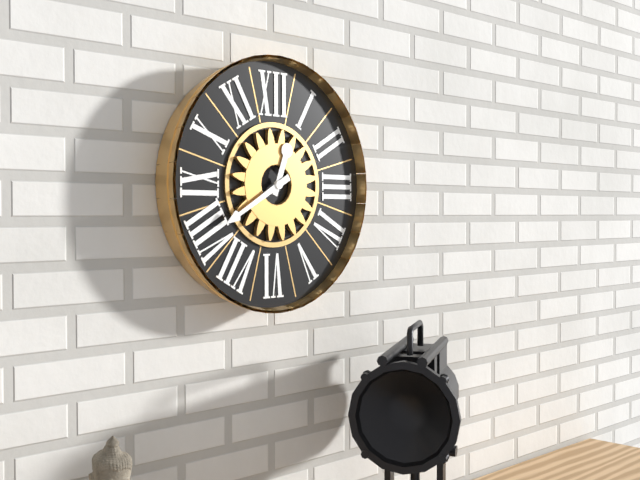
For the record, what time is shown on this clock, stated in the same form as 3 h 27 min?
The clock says 12 h 40 min
